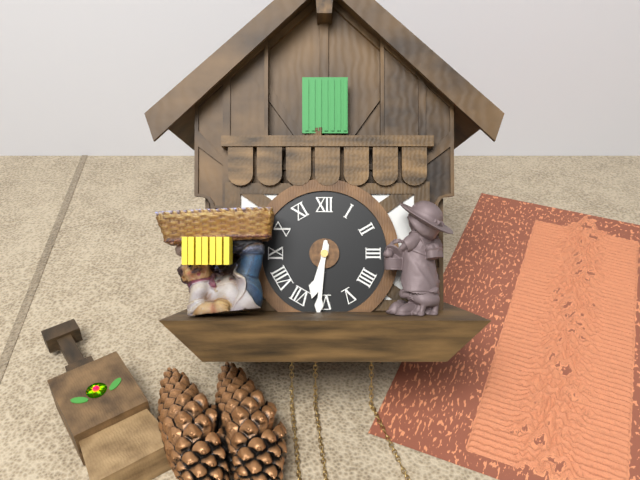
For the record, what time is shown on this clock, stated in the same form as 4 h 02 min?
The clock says 6 h 31 min
